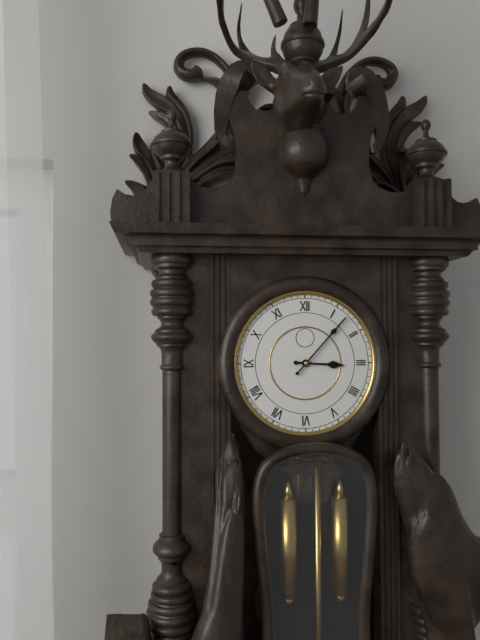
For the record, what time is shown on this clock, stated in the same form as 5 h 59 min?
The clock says 3 h 07 min
